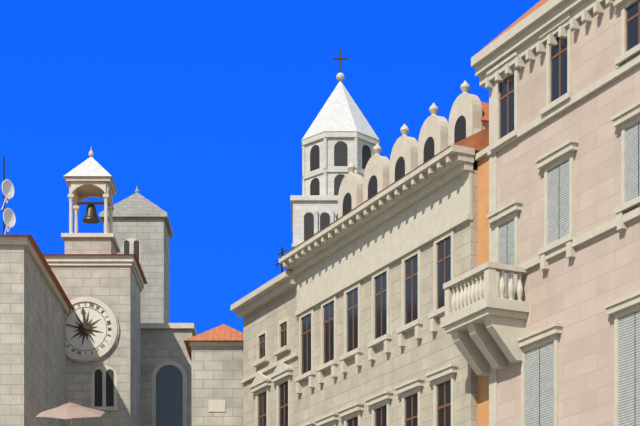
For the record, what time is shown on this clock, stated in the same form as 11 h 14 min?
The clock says 11 h 47 min
